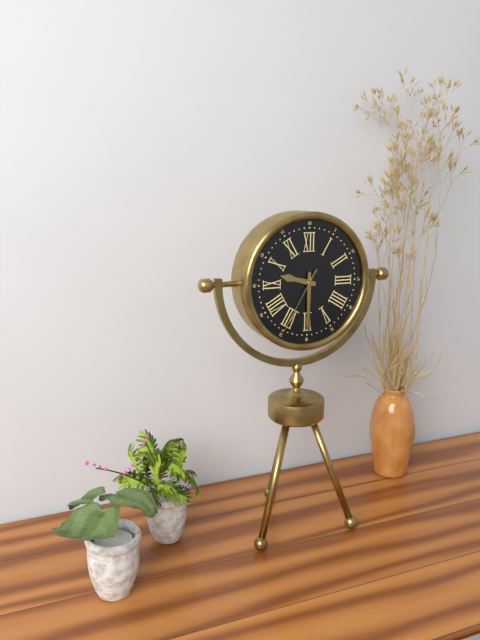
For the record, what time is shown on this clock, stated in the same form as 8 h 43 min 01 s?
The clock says 9 h 30 min 35 s
